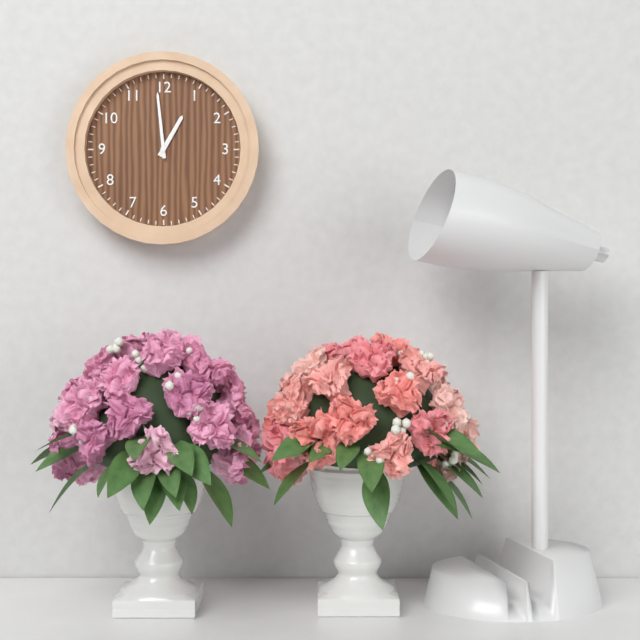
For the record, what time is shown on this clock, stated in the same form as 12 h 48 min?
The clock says 12 h 59 min
